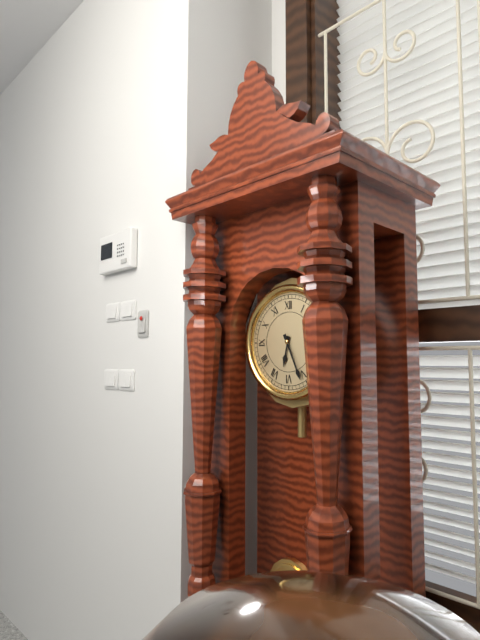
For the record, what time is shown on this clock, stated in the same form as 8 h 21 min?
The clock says 6 h 26 min
